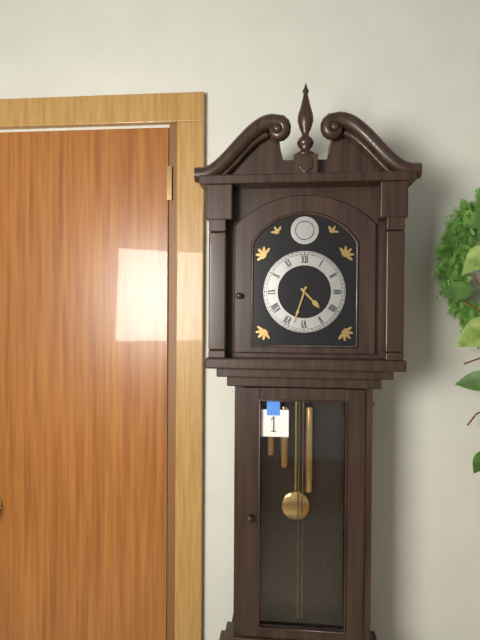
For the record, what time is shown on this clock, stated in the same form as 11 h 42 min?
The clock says 4 h 33 min
